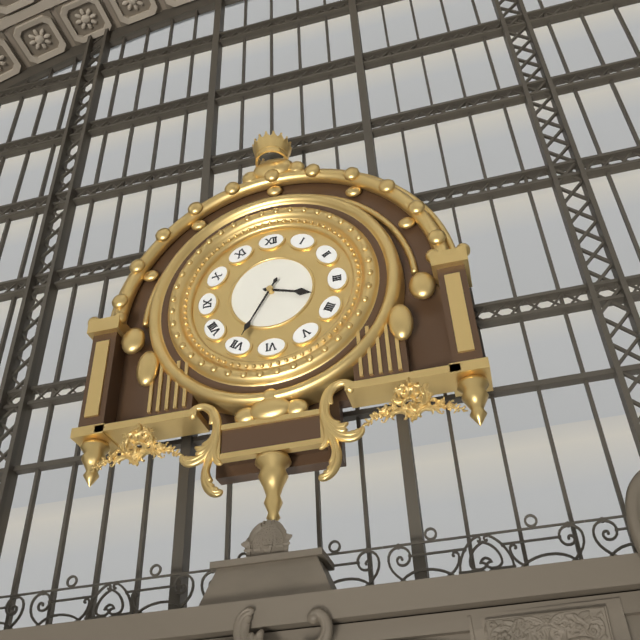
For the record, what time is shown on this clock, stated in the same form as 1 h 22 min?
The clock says 3 h 35 min
